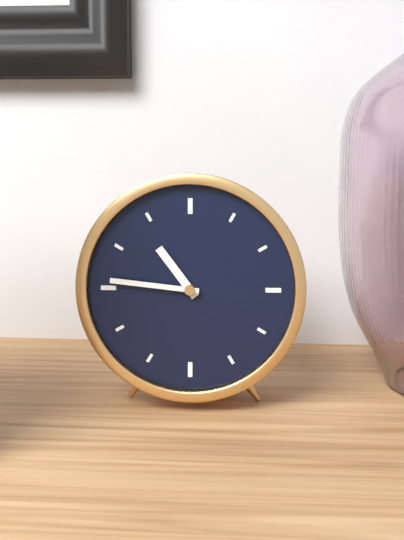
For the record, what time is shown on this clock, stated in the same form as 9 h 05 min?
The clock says 10 h 46 min
